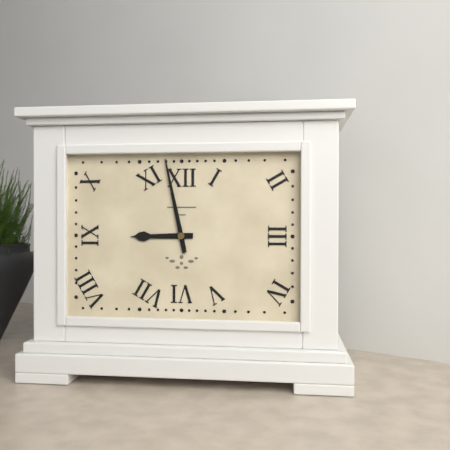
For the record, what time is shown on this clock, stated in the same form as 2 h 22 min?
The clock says 8 h 58 min
